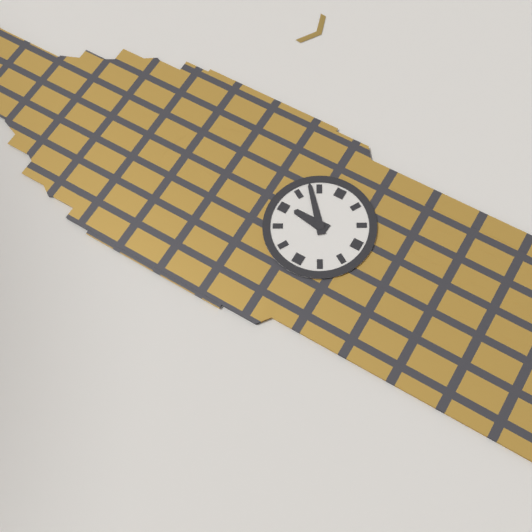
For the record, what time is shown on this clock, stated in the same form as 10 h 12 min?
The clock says 12 h 08 min
